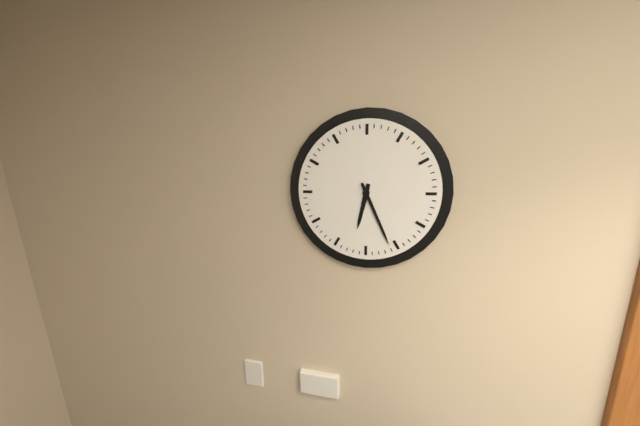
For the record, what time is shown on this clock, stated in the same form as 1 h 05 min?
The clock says 6 h 26 min
